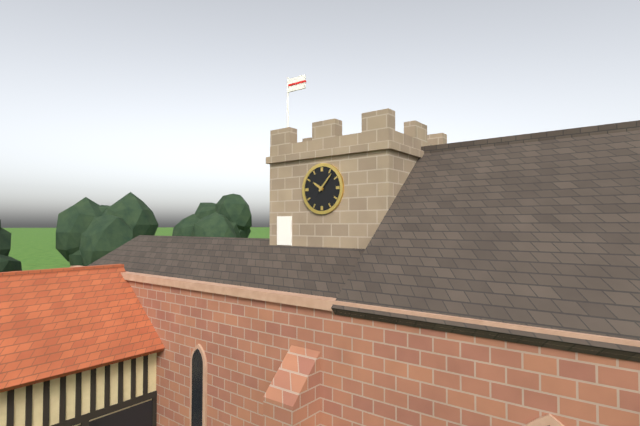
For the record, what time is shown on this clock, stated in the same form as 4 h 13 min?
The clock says 10 h 07 min
